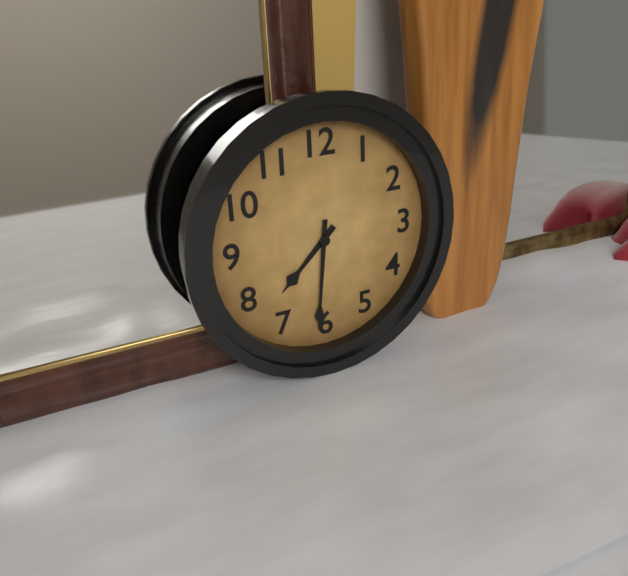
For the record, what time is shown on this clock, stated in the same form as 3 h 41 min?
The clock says 7 h 31 min
